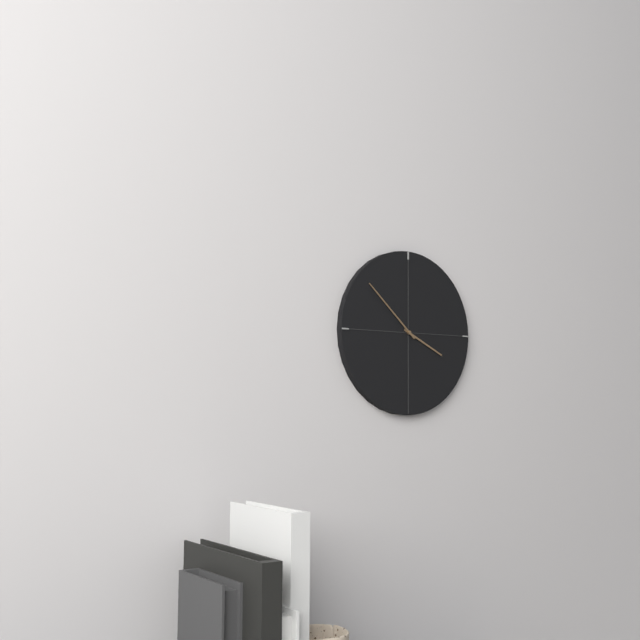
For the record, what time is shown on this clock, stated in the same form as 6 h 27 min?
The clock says 3 h 52 min
